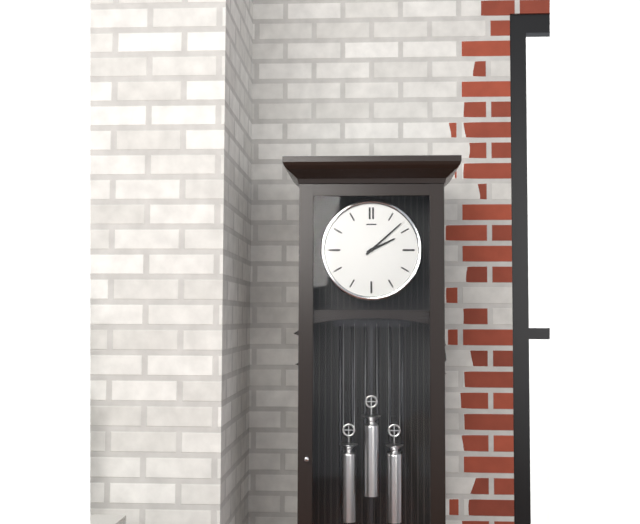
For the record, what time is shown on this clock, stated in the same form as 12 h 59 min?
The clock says 2 h 08 min
